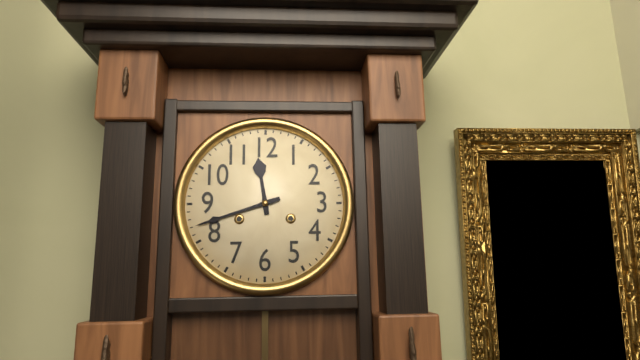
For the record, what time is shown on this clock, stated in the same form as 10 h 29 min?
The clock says 11 h 42 min
